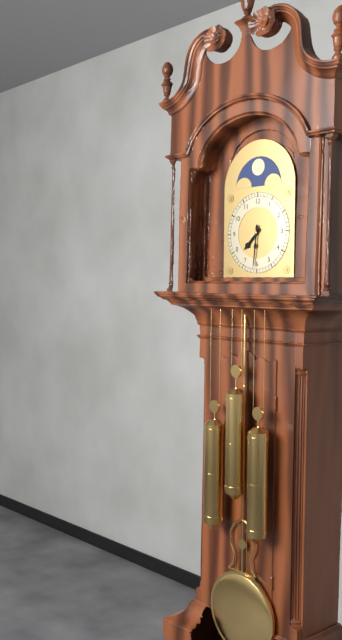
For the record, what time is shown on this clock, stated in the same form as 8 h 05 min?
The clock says 7 h 31 min
